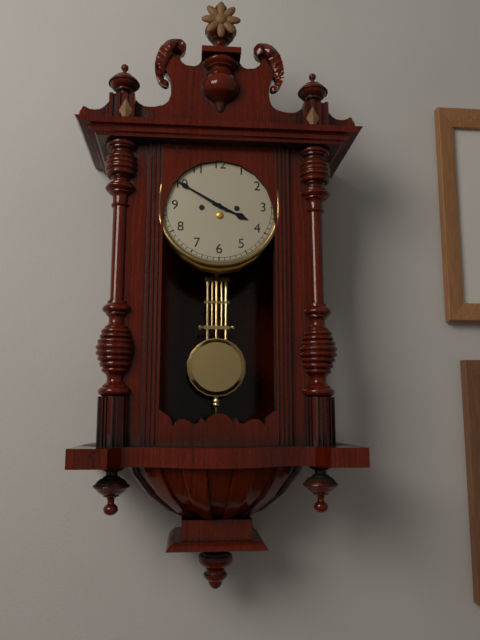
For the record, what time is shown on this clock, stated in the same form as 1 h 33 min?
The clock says 3 h 50 min
